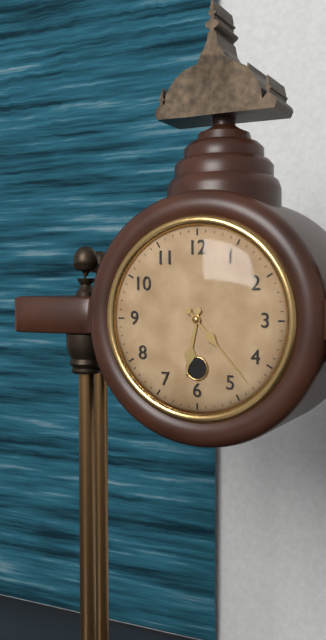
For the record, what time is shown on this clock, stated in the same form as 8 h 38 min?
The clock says 6 h 23 min
